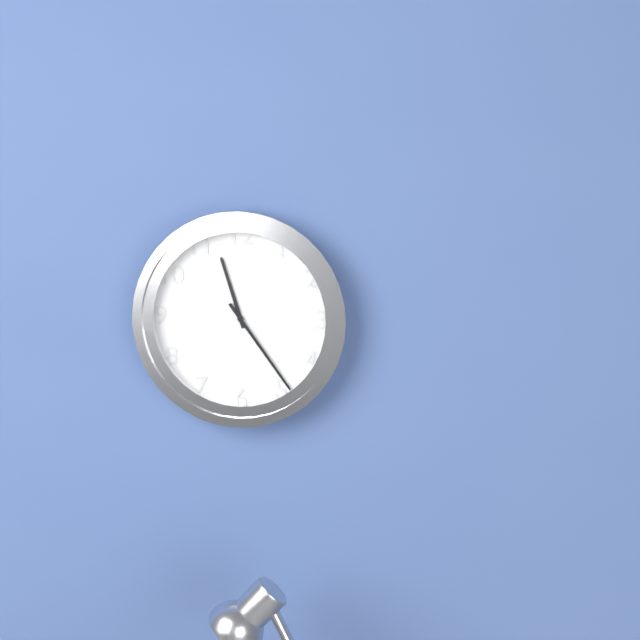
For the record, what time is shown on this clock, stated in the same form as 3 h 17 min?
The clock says 11 h 24 min
